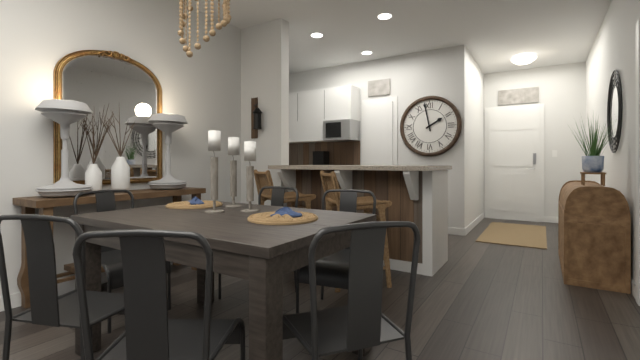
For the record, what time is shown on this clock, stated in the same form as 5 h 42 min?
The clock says 1 h 58 min
